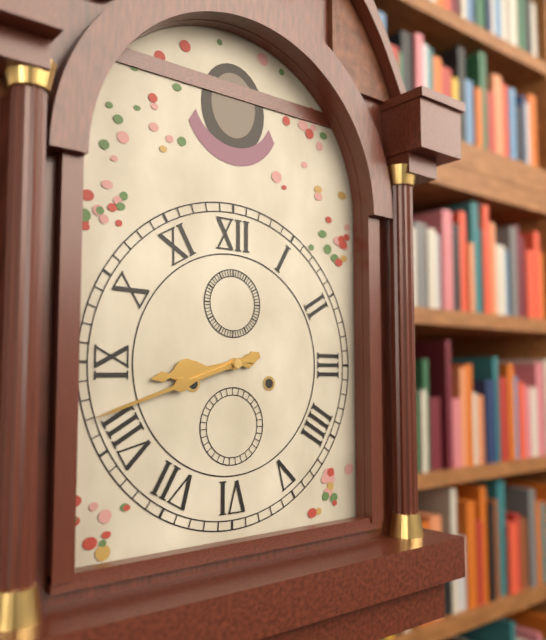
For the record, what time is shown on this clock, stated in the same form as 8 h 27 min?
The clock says 8 h 42 min
